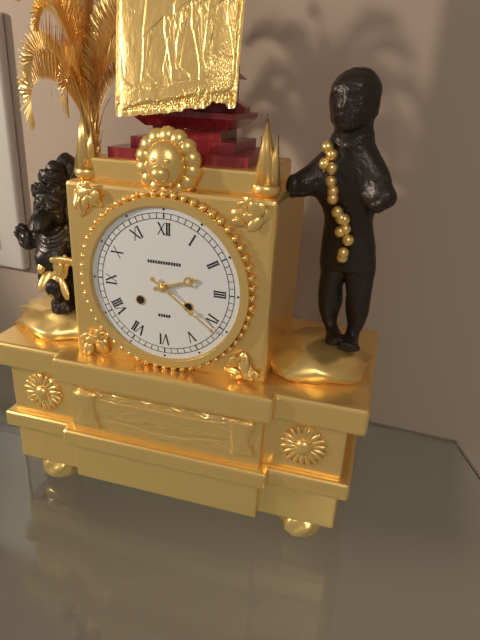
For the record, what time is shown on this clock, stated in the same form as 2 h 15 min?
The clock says 2 h 21 min
